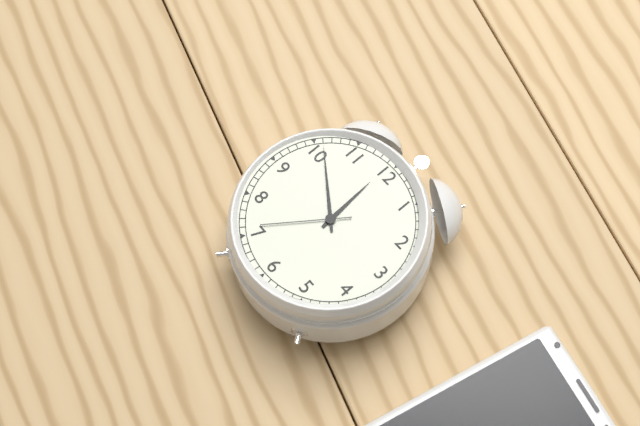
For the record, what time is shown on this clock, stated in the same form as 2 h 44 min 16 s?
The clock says 11 h 51 min 36 s
